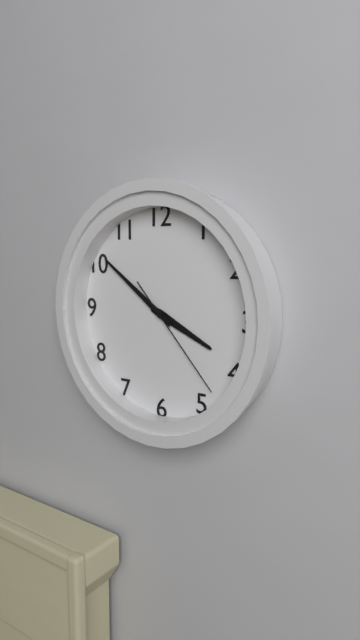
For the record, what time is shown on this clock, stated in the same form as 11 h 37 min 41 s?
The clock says 3 h 51 min 23 s
